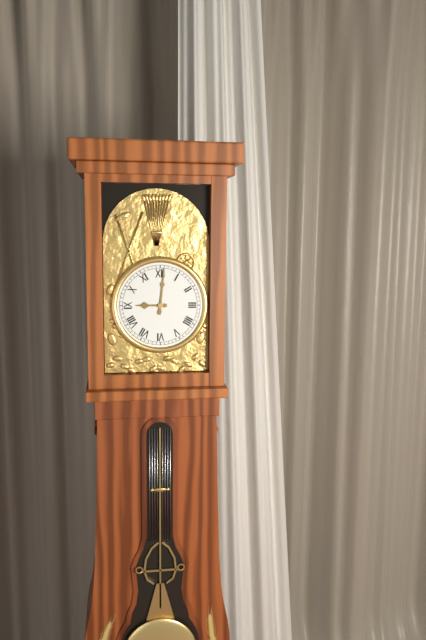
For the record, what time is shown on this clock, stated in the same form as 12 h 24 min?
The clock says 9 h 01 min
